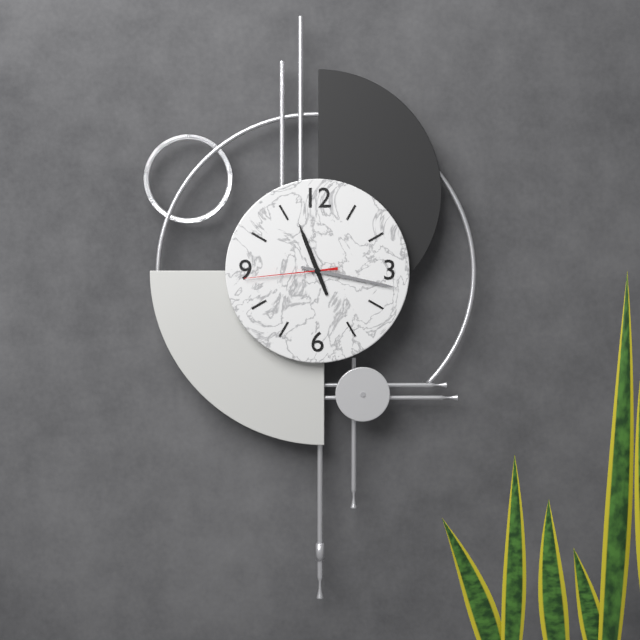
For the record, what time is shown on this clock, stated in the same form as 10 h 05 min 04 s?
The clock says 11 h 17 min 44 s
